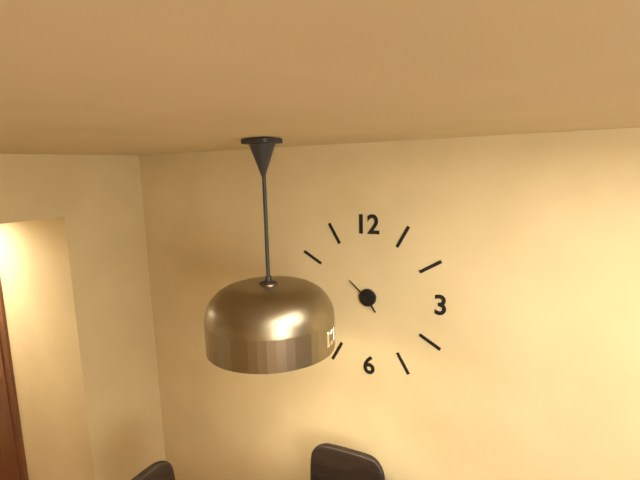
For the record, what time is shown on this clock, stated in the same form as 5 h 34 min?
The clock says 4 h 52 min
